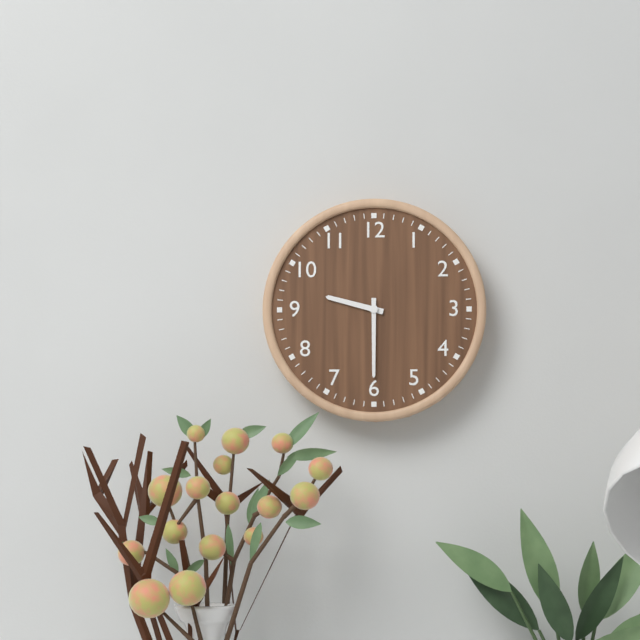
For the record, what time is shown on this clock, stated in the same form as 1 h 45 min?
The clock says 9 h 30 min
